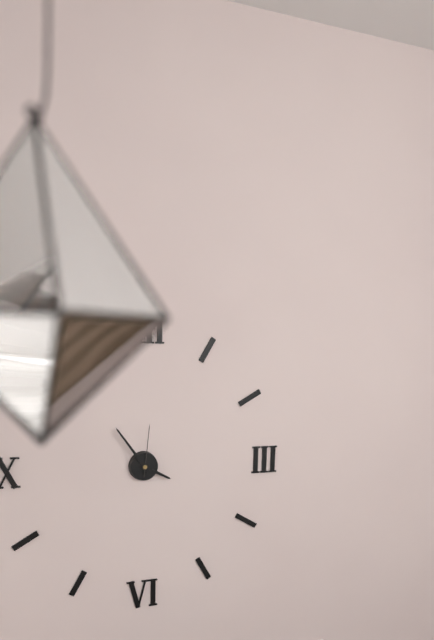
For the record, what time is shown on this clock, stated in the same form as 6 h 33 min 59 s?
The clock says 3 h 54 min 01 s
